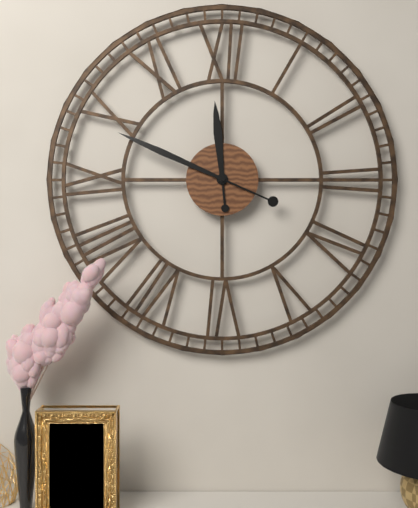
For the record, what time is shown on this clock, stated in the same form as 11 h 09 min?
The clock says 11 h 49 min
